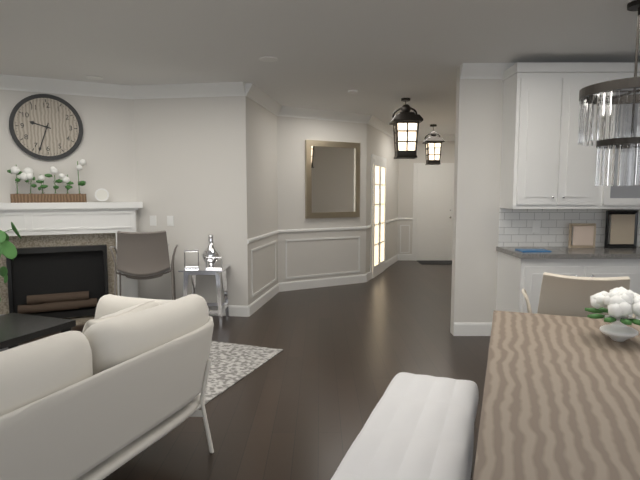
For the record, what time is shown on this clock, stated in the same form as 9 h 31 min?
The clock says 9 h 33 min
